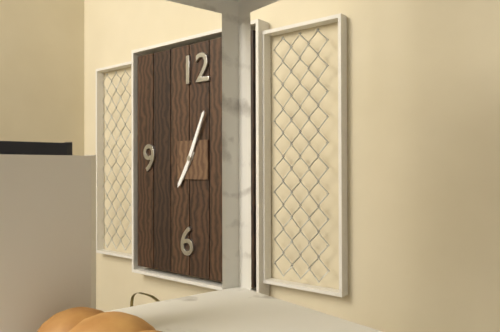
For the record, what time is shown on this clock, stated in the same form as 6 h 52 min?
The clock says 7 h 04 min
